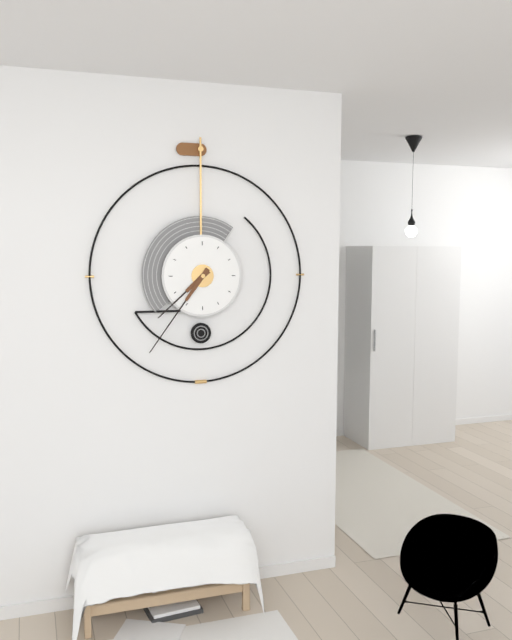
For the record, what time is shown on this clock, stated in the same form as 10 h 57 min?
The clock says 7 h 36 min
